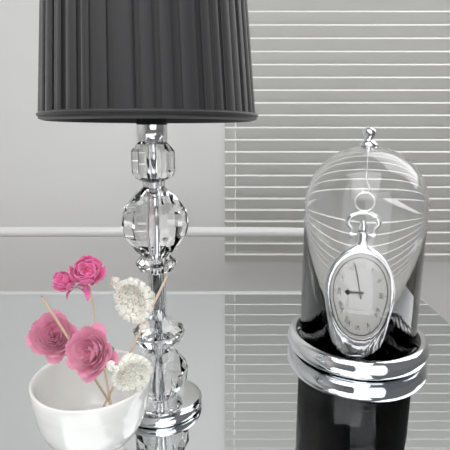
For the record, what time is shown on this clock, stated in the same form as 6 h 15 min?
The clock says 8 h 57 min
